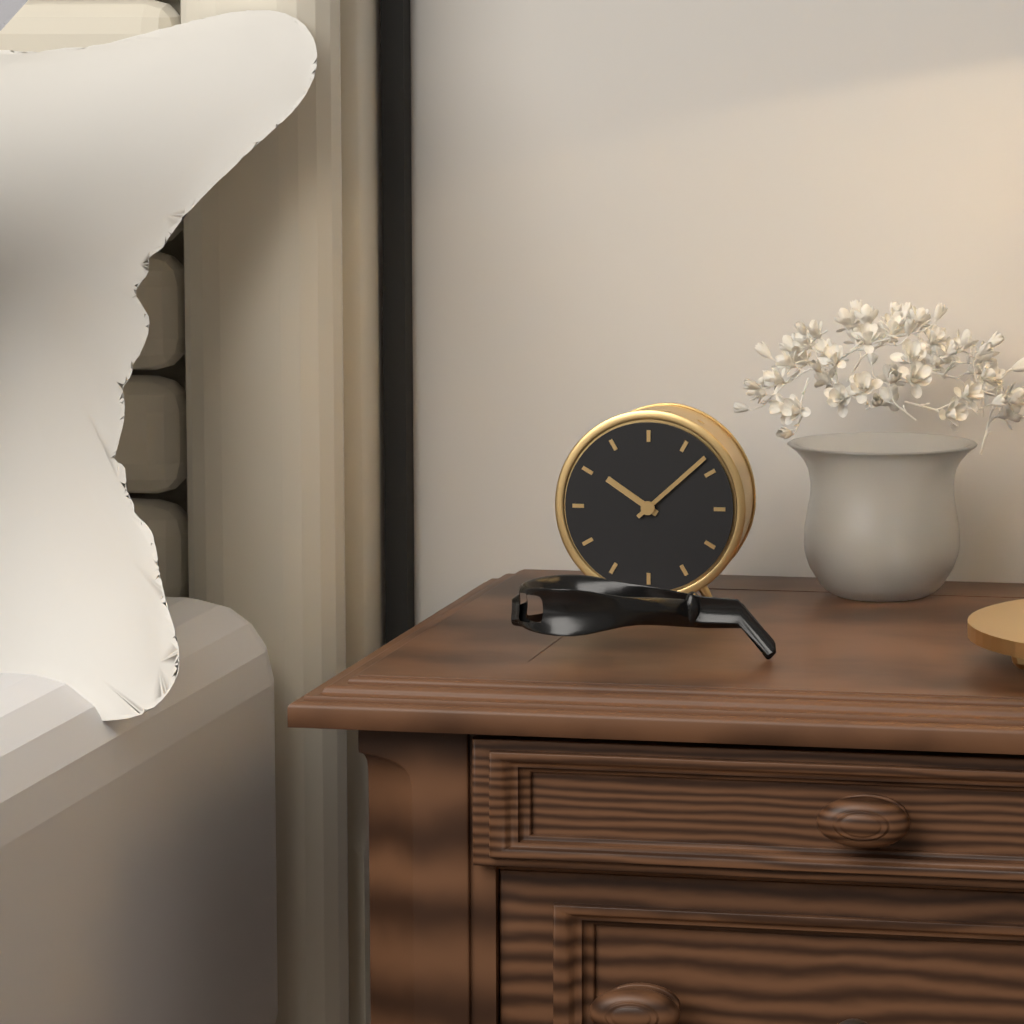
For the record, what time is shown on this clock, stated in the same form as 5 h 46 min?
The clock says 10 h 08 min
